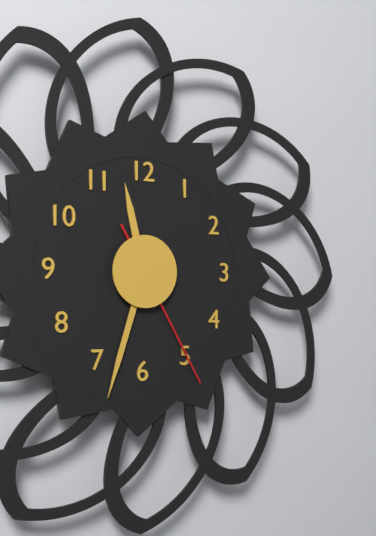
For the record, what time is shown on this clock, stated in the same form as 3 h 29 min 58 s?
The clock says 11 h 33 min 25 s
